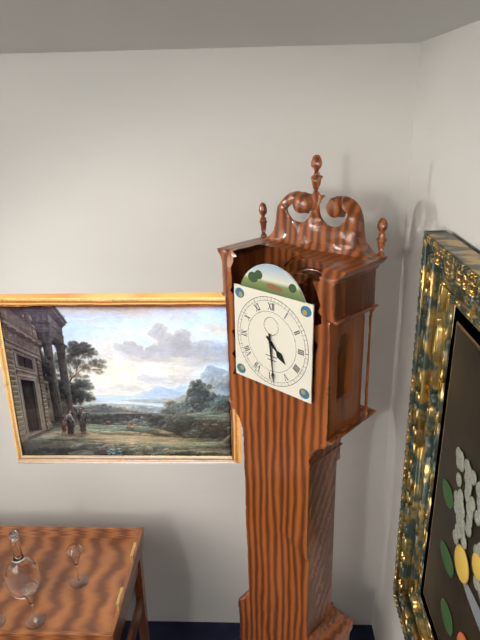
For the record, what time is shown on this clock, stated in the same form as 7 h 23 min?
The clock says 4 h 29 min
